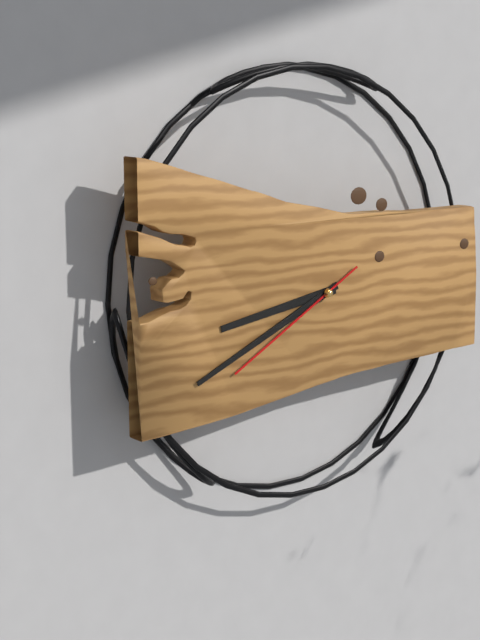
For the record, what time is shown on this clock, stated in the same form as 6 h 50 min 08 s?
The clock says 8 h 41 min 40 s
